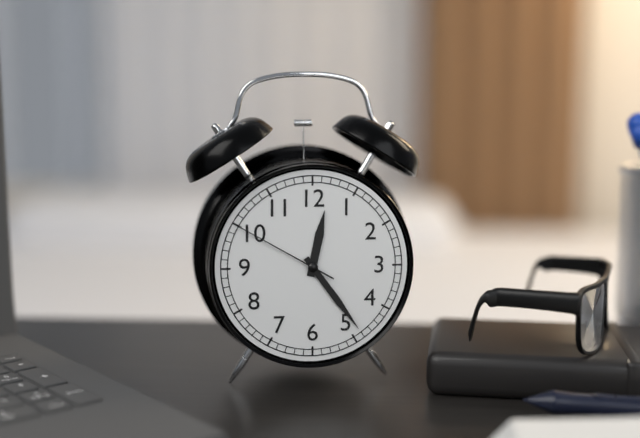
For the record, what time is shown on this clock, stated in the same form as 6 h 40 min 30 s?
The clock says 12 h 24 min 50 s
